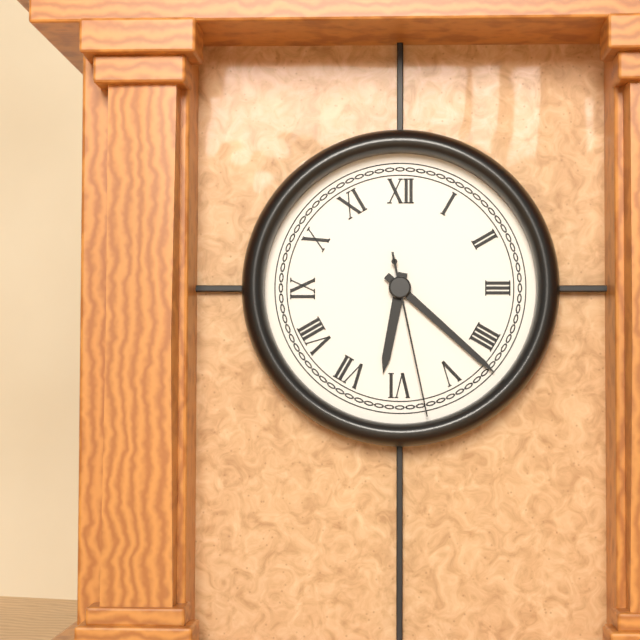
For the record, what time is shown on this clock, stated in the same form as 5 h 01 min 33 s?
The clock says 6 h 22 min 28 s
